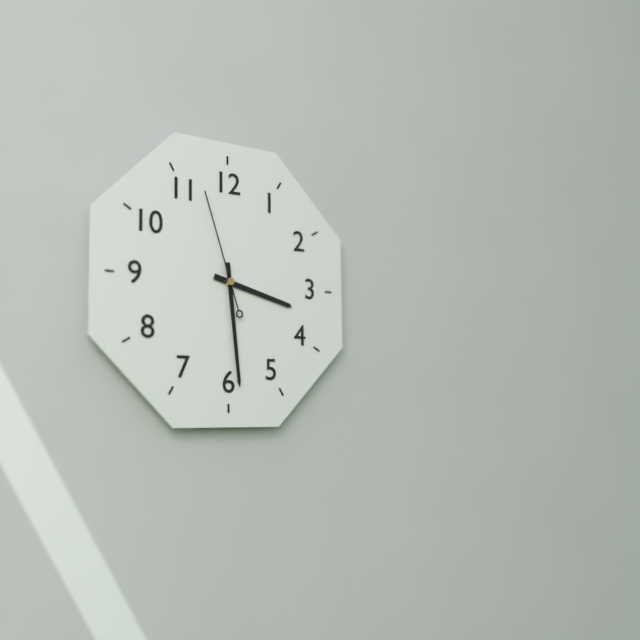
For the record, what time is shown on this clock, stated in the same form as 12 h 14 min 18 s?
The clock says 3 h 29 min 57 s
